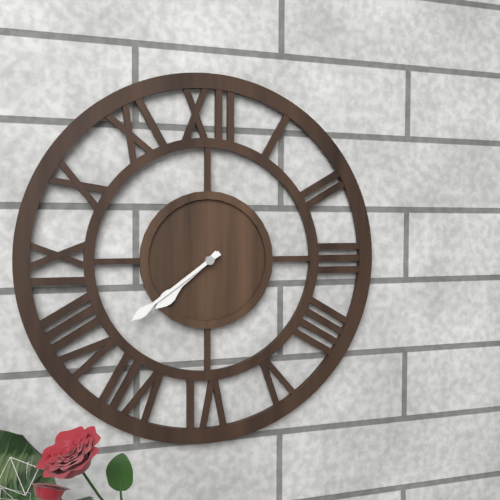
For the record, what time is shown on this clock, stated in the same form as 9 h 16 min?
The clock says 7 h 39 min
